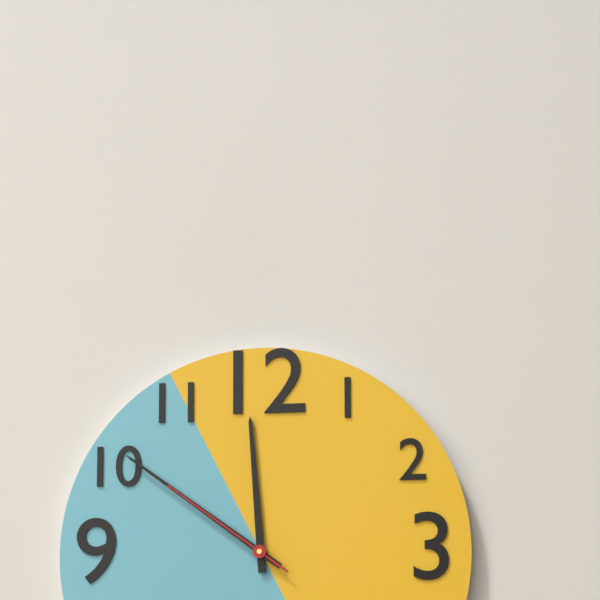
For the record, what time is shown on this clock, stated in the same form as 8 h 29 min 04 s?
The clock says 11 h 51 min 51 s
